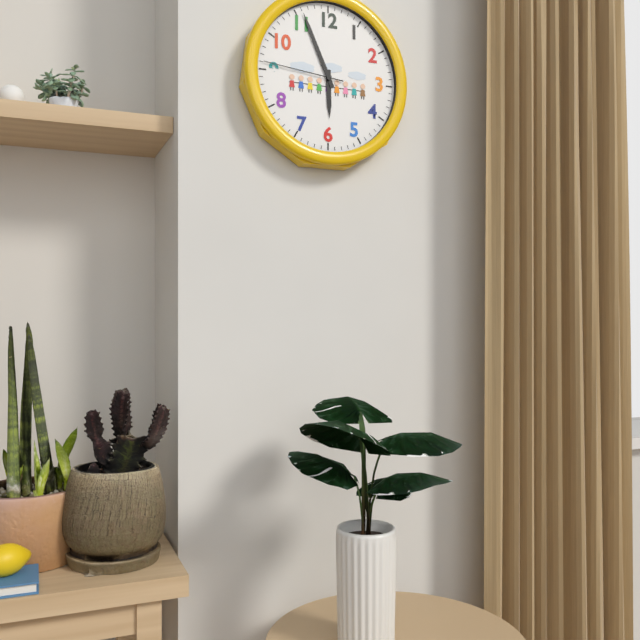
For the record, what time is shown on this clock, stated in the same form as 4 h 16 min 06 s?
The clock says 5 h 56 min 46 s
